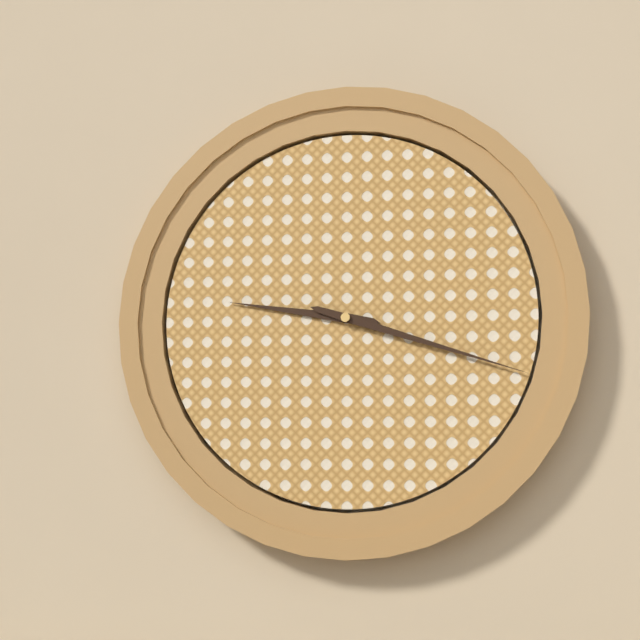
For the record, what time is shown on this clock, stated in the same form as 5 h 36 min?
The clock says 9 h 18 min
